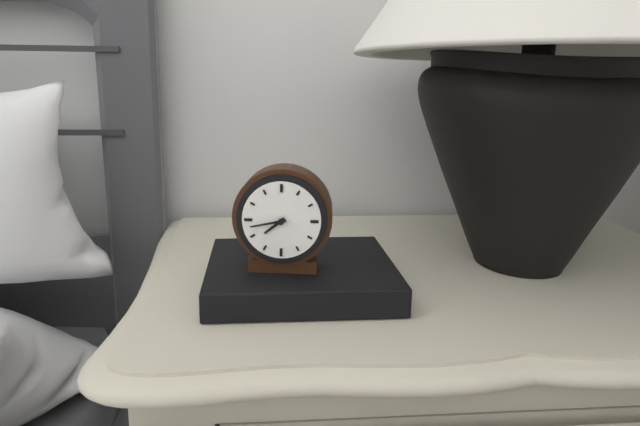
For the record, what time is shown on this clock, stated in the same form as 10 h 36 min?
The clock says 7 h 43 min
